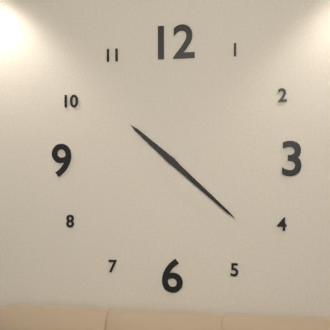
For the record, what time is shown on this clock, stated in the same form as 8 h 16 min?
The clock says 10 h 22 min
